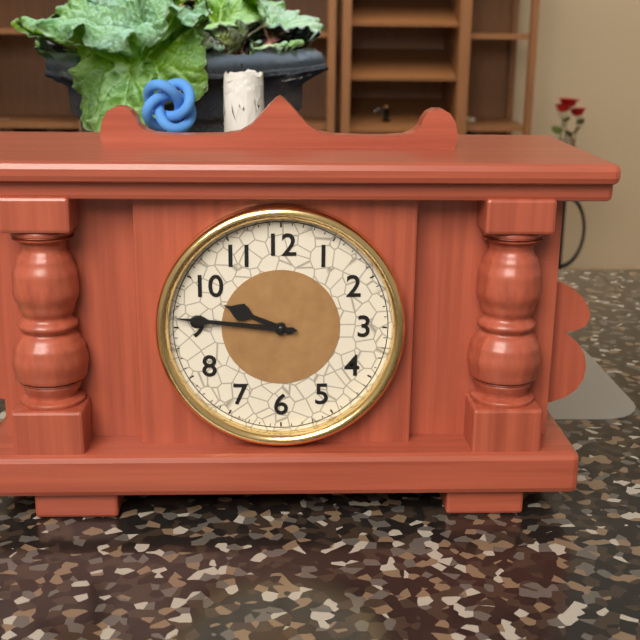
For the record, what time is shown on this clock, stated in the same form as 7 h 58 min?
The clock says 9 h 46 min
